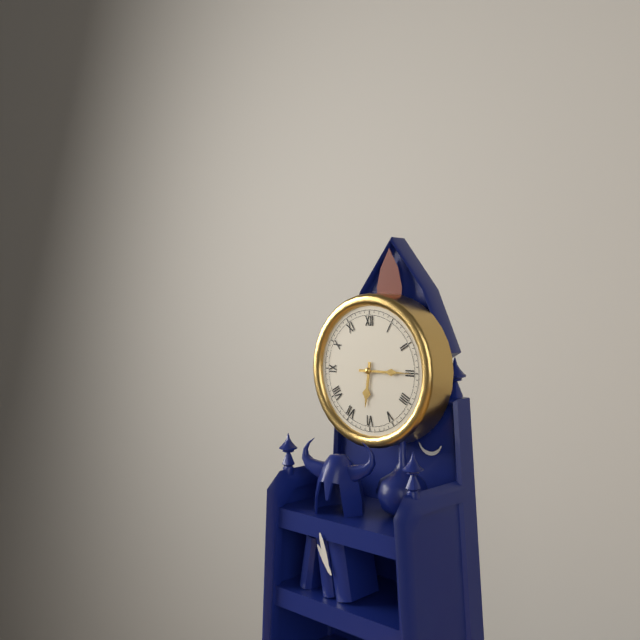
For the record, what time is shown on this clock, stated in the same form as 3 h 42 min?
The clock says 6 h 15 min
